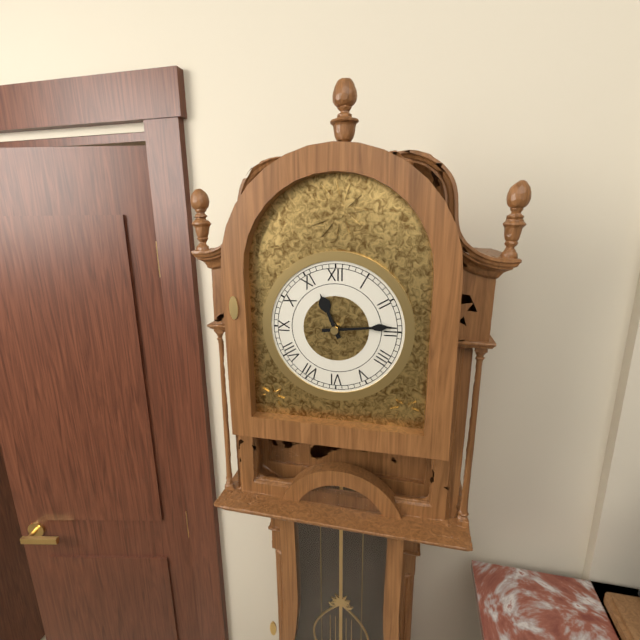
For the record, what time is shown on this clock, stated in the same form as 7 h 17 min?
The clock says 11 h 14 min
